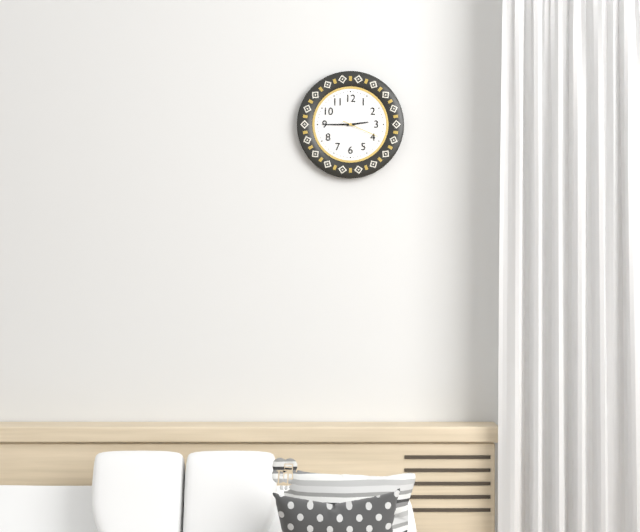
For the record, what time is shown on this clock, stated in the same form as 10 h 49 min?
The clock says 2 h 45 min
